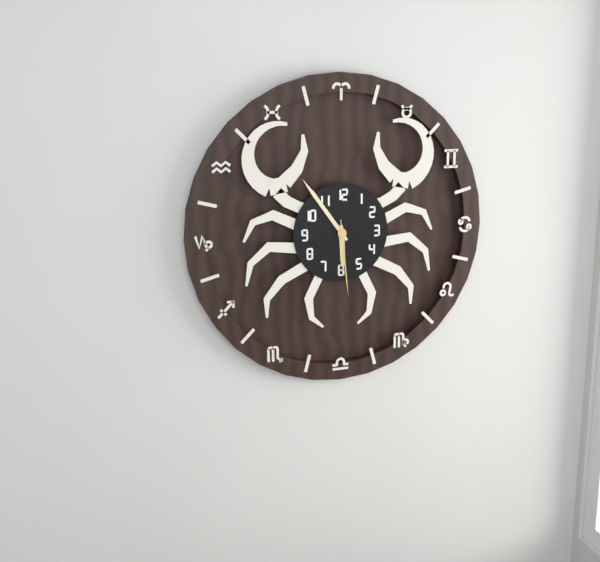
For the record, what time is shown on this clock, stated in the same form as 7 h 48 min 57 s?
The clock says 5 h 54 min 29 s
